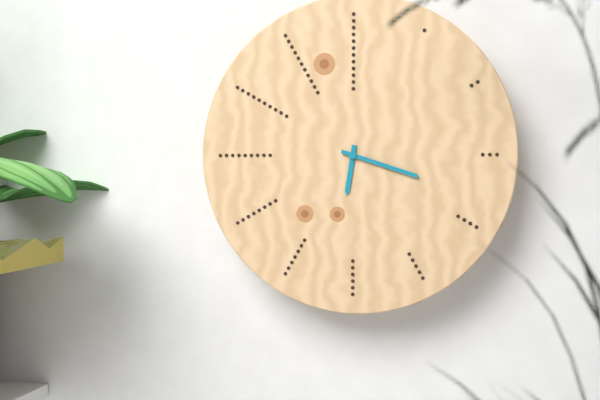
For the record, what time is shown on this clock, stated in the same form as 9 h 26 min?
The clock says 6 h 18 min
